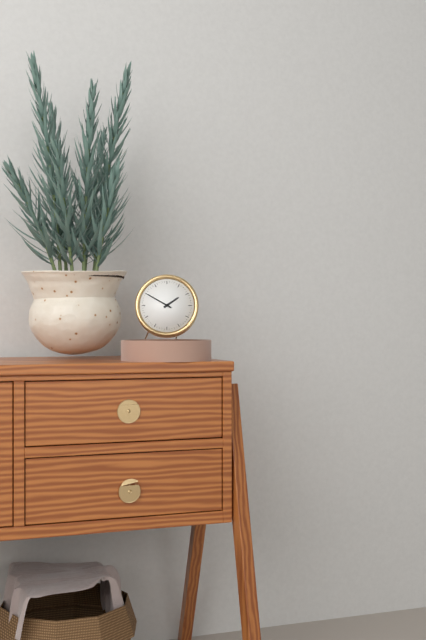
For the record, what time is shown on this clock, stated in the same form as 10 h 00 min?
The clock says 1 h 50 min
